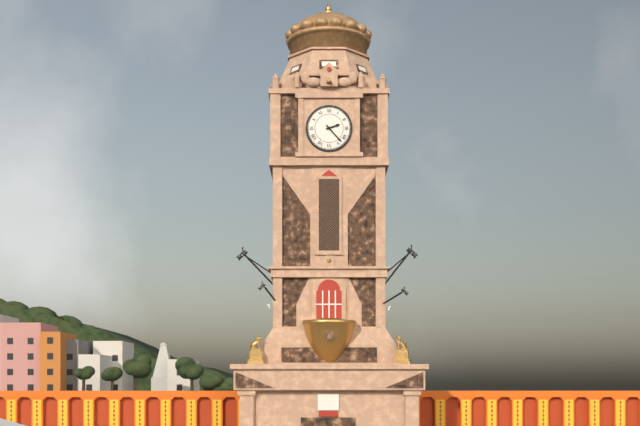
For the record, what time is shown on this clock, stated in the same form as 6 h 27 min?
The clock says 2 h 23 min
